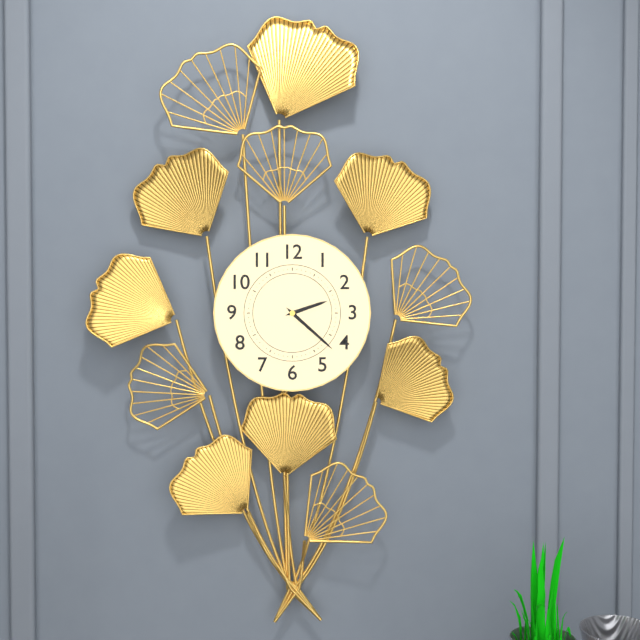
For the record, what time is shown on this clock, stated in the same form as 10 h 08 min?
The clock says 2 h 22 min
